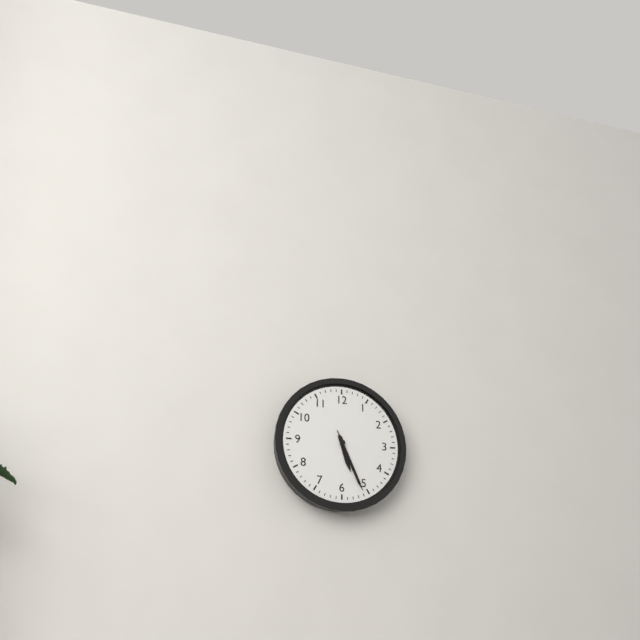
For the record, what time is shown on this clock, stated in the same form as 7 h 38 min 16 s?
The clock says 5 h 26 min 26 s
